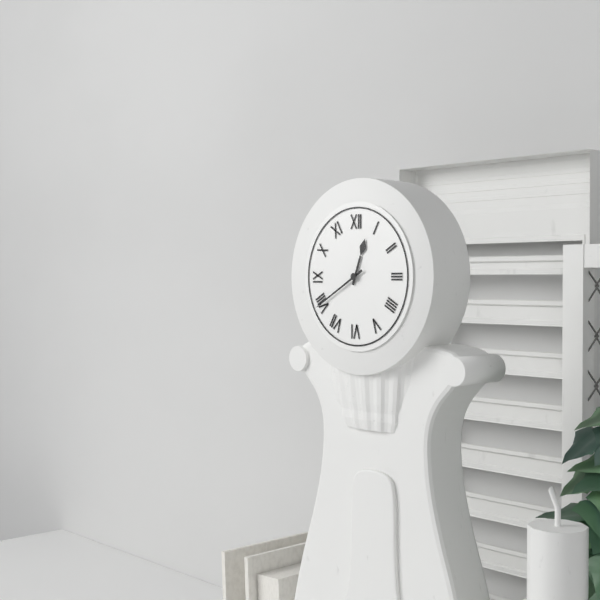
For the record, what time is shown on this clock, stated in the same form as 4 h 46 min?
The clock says 12 h 40 min
